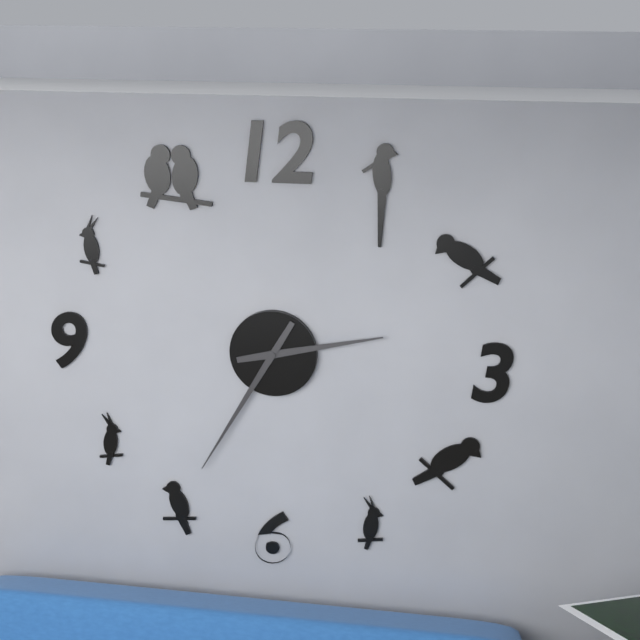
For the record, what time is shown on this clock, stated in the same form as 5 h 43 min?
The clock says 2 h 35 min
